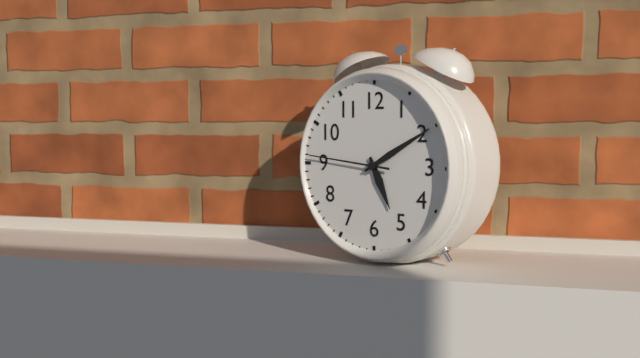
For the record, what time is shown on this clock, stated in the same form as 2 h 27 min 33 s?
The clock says 5 h 10 min 46 s
